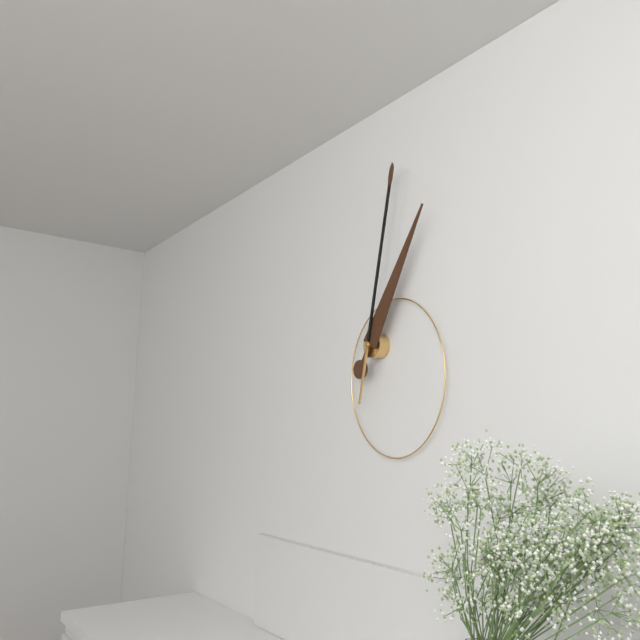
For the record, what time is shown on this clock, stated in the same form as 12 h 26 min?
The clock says 1 h 02 min
